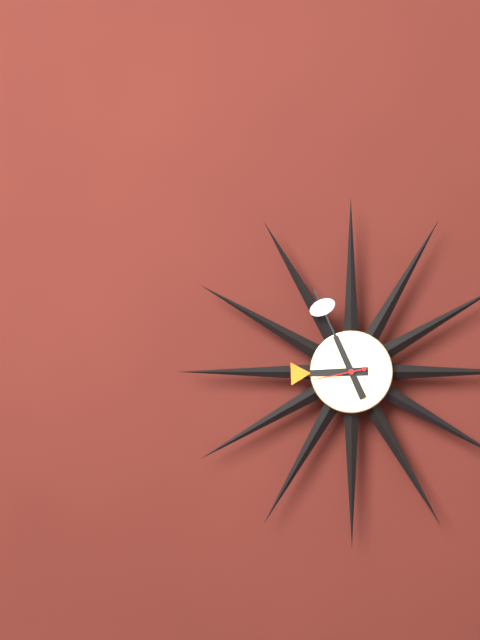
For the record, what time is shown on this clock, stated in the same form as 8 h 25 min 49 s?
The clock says 8 h 56 min 43 s
